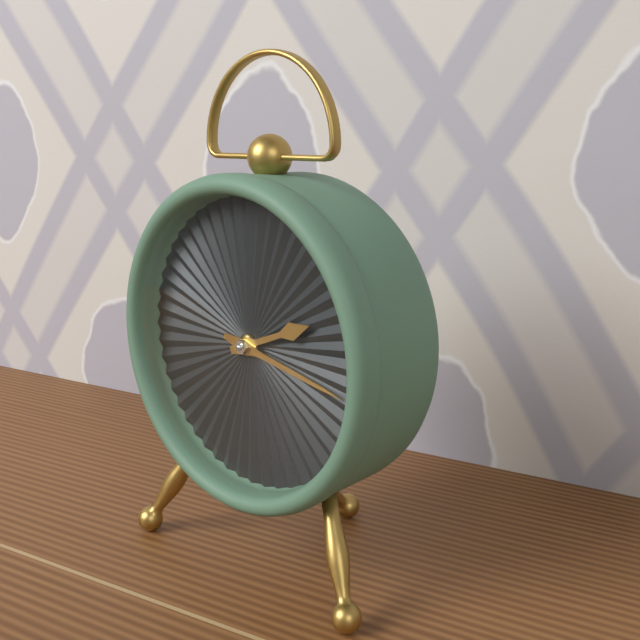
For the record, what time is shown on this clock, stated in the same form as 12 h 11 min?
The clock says 2 h 17 min
